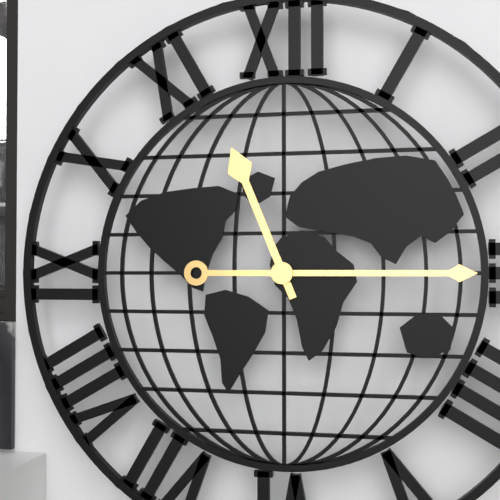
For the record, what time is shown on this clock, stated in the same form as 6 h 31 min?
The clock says 11 h 15 min
